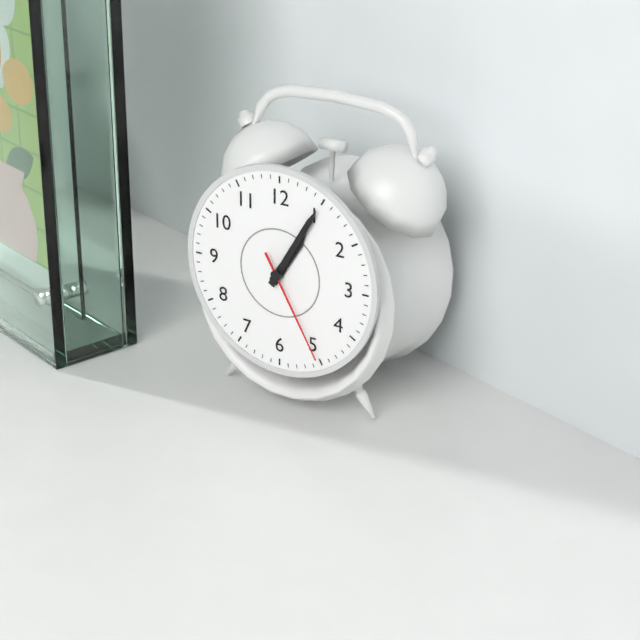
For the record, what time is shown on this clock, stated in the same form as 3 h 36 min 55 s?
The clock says 1 h 05 min 25 s
